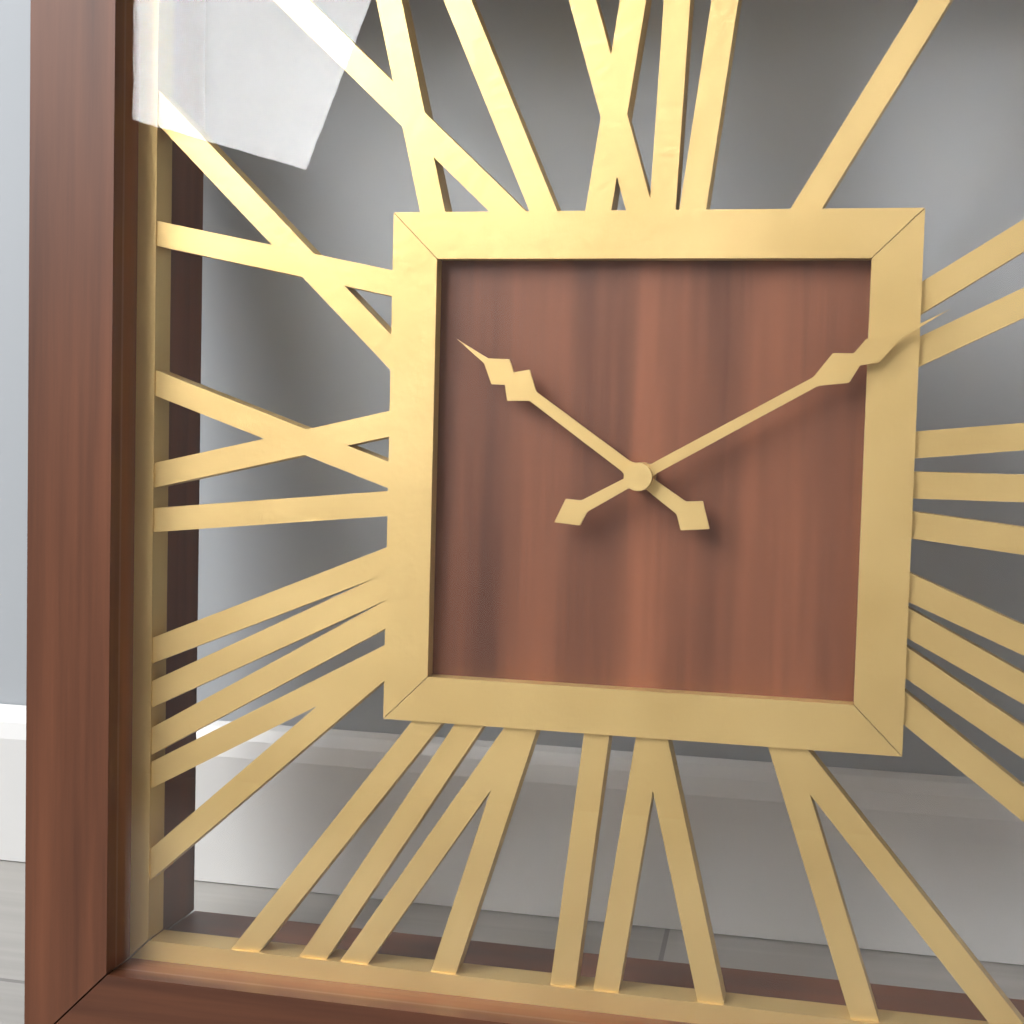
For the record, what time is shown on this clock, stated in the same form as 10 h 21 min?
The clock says 10 h 10 min
